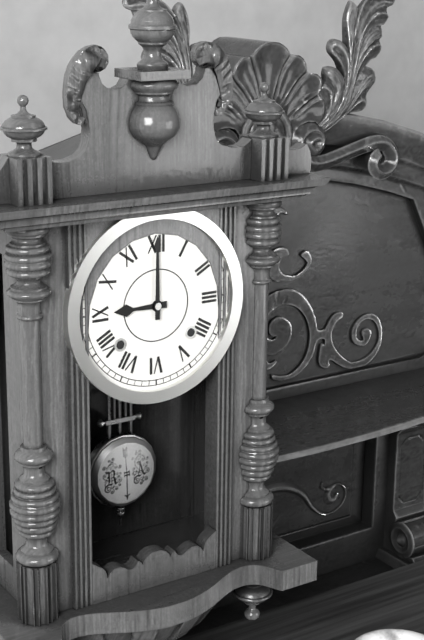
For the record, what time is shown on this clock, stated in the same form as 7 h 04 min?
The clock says 9 h 00 min
